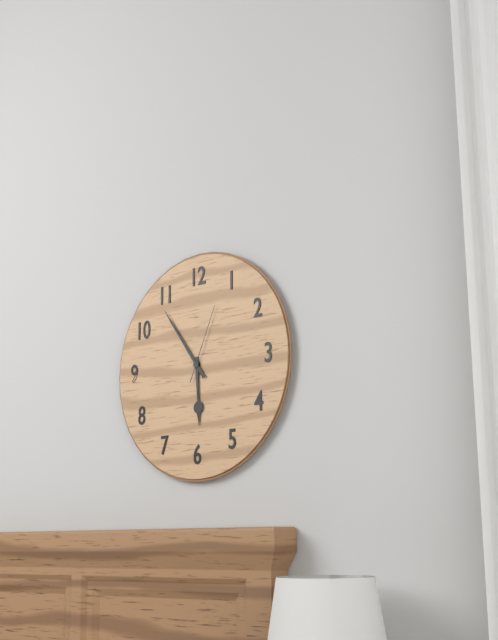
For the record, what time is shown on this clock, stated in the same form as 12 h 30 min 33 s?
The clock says 5 h 54 min 04 s
